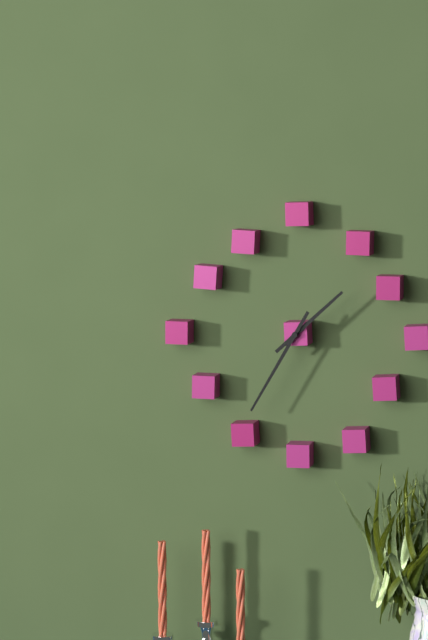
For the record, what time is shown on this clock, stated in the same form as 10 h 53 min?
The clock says 1 h 35 min
